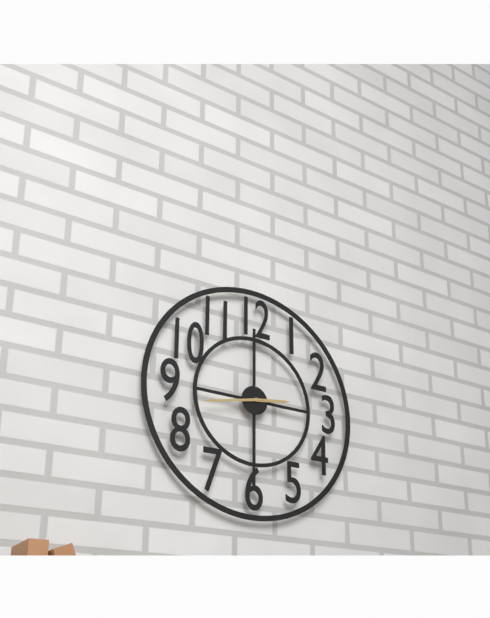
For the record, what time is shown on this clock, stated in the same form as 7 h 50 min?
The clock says 2 h 43 min
